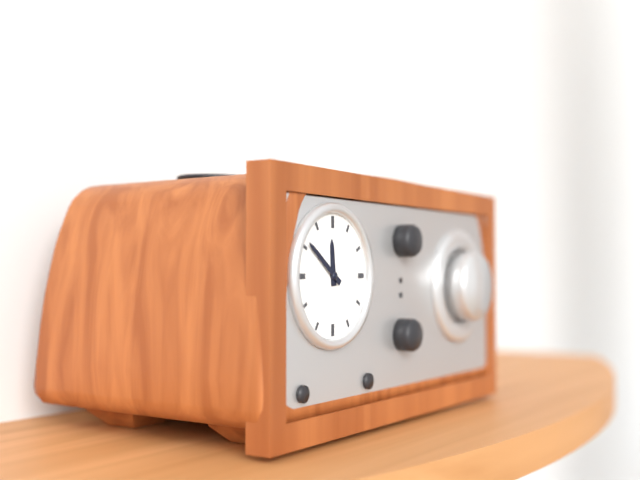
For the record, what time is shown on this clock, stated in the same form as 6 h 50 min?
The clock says 11 h 51 min
